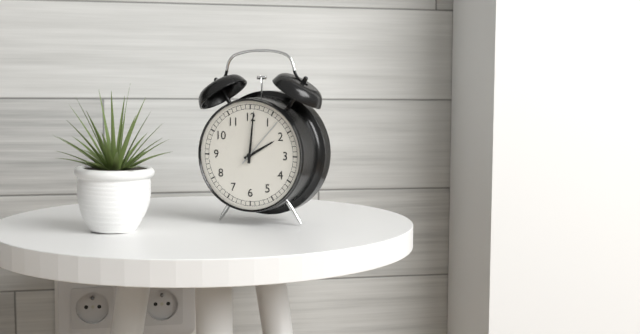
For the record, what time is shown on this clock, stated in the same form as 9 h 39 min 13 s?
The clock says 2 h 01 min 07 s
